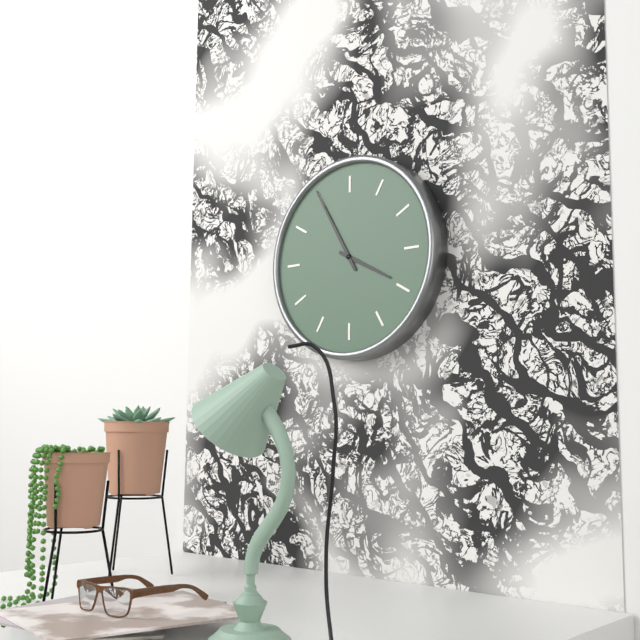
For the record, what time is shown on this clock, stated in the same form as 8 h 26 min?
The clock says 3 h 55 min
